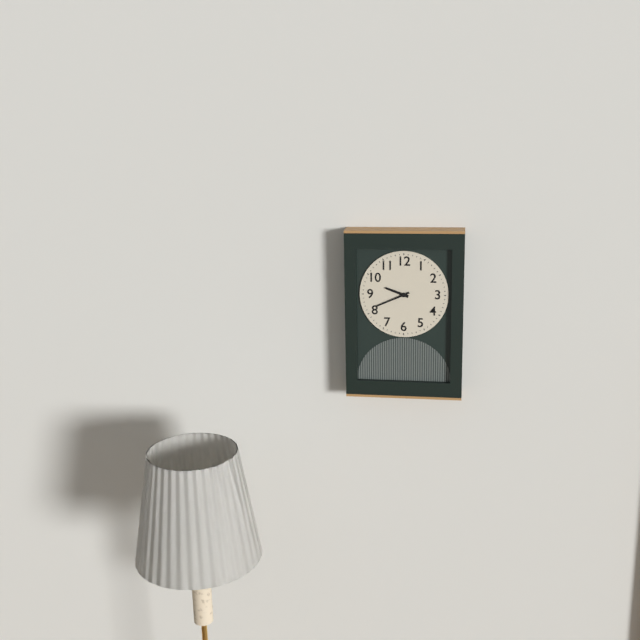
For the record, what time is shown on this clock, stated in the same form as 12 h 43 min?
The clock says 9 h 41 min
